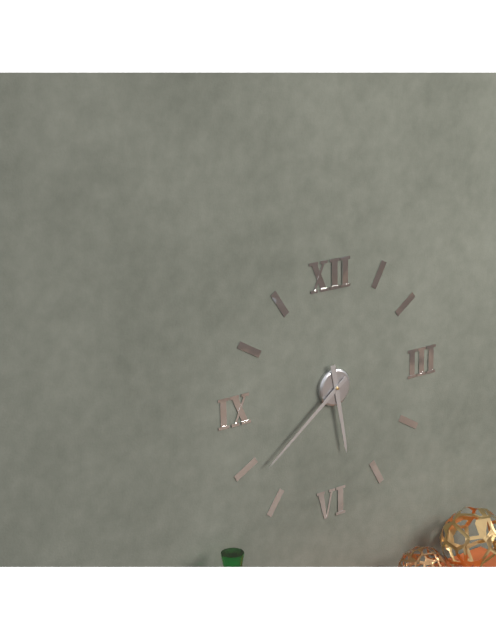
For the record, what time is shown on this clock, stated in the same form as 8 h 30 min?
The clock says 5 h 39 min
